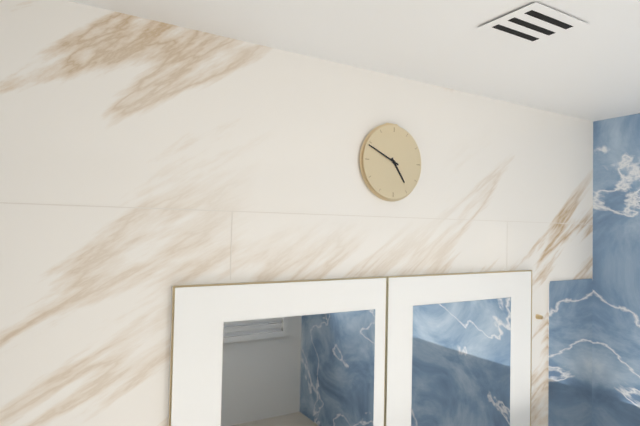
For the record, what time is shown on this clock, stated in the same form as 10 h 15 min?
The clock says 4 h 49 min
